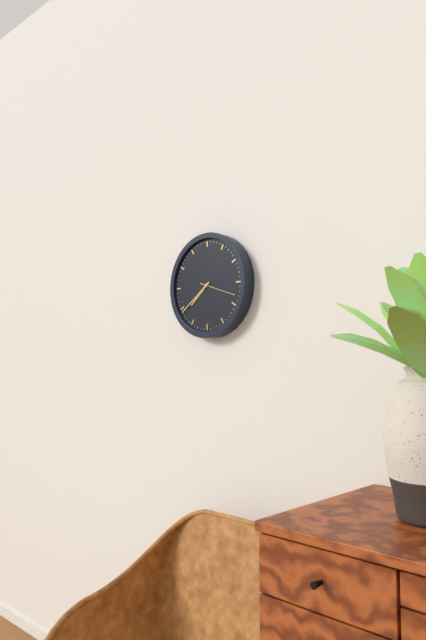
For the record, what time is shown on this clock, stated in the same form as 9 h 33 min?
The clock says 7 h 39 min
